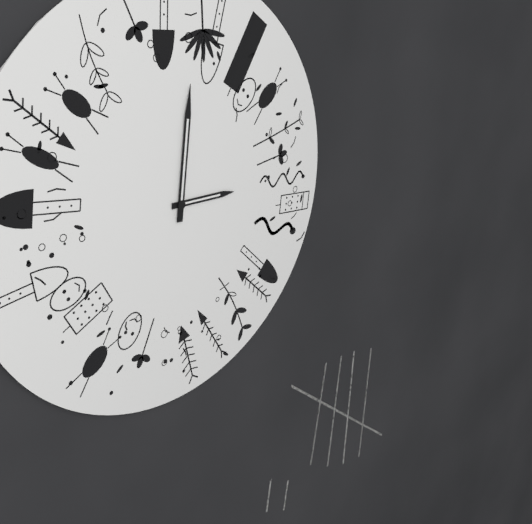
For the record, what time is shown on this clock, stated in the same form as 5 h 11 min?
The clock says 3 h 01 min
